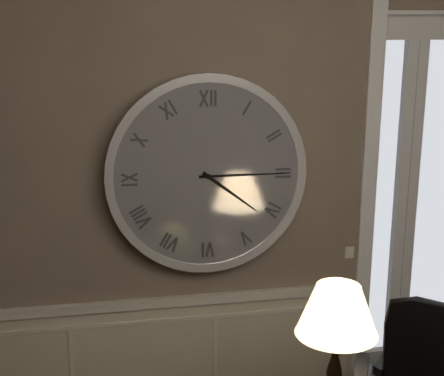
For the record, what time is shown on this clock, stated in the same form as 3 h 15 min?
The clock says 4 h 15 min
